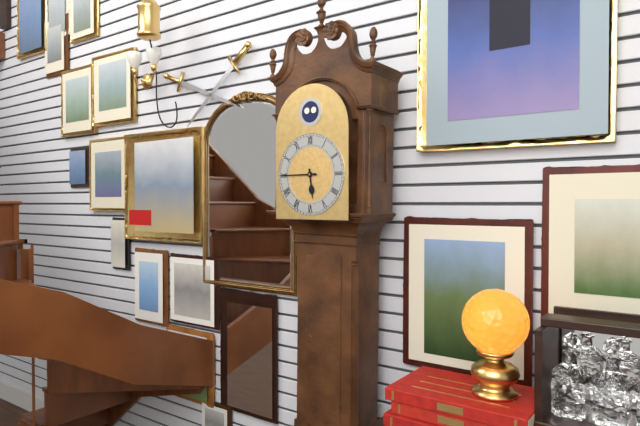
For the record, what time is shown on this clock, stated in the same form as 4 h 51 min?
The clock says 5 h 45 min
